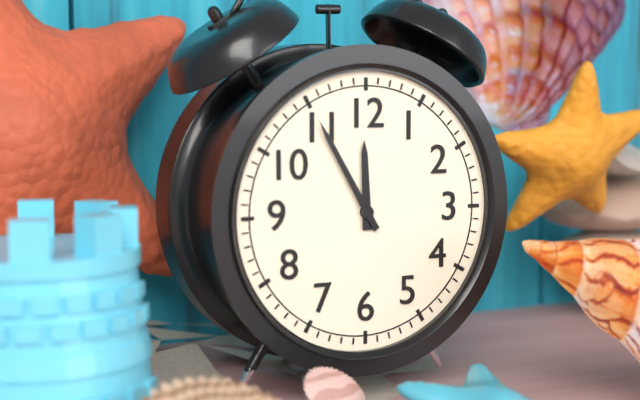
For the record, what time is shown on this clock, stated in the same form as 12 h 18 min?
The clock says 11 h 55 min
